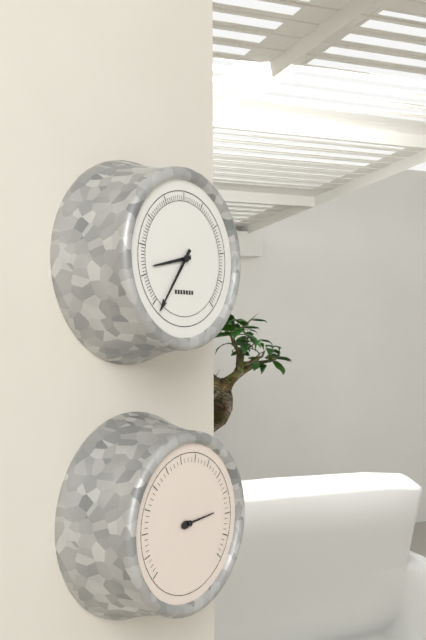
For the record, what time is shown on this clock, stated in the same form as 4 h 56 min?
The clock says 8 h 36 min
